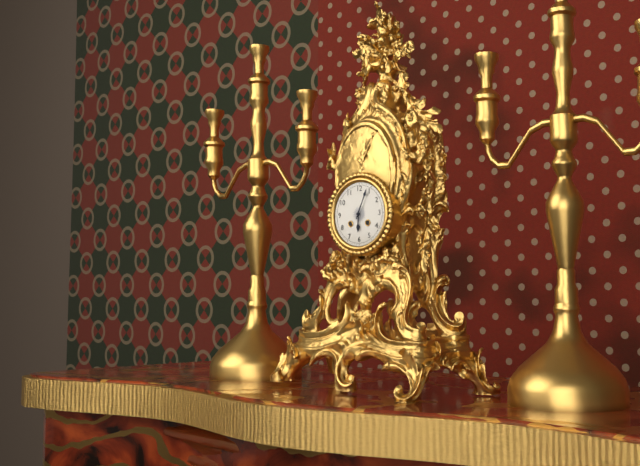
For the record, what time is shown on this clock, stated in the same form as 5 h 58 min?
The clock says 6 h 04 min
